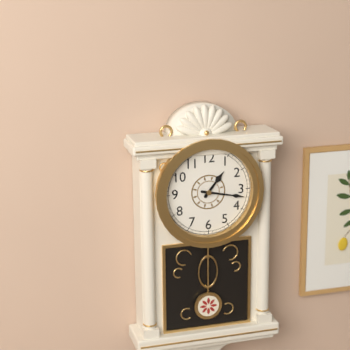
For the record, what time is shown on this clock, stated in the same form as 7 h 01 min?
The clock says 1 h 17 min
